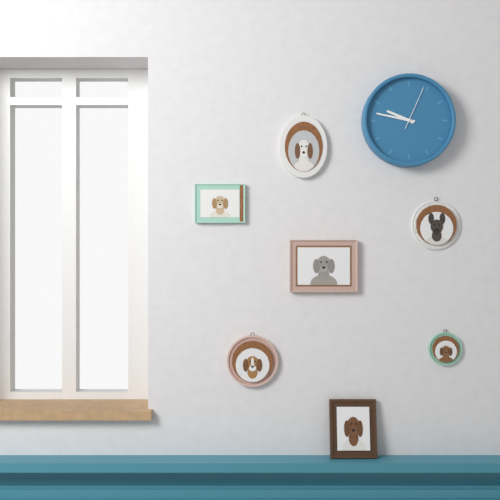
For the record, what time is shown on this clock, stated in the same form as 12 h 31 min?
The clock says 9 h 47 min
